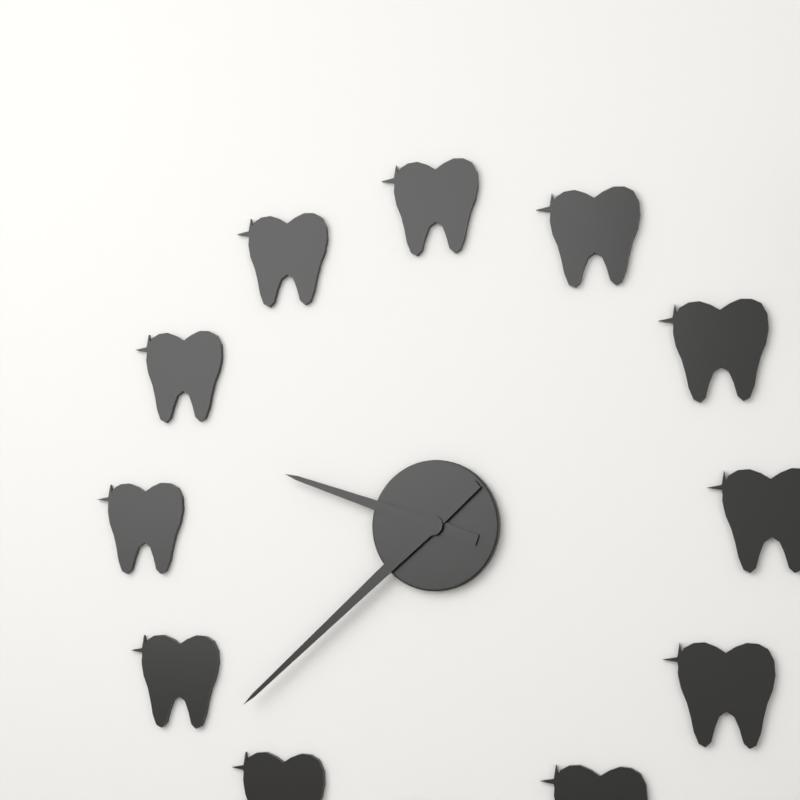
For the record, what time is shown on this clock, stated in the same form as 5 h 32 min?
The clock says 9 h 38 min
